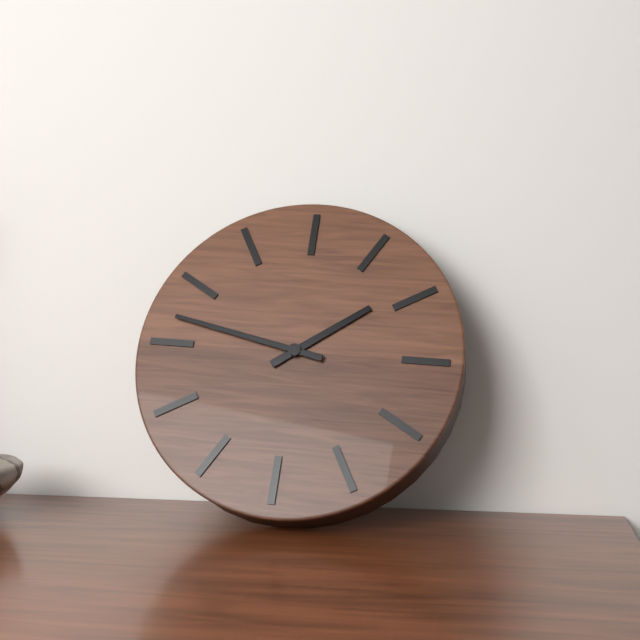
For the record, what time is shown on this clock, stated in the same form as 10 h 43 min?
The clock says 1 h 47 min
